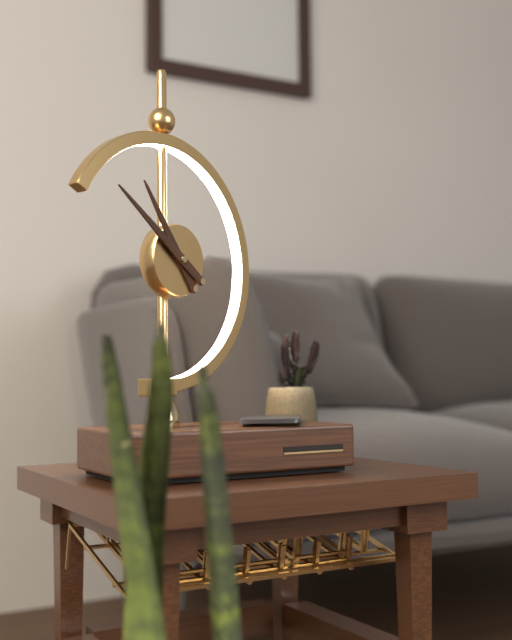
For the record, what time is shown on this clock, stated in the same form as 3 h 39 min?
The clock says 10 h 51 min
